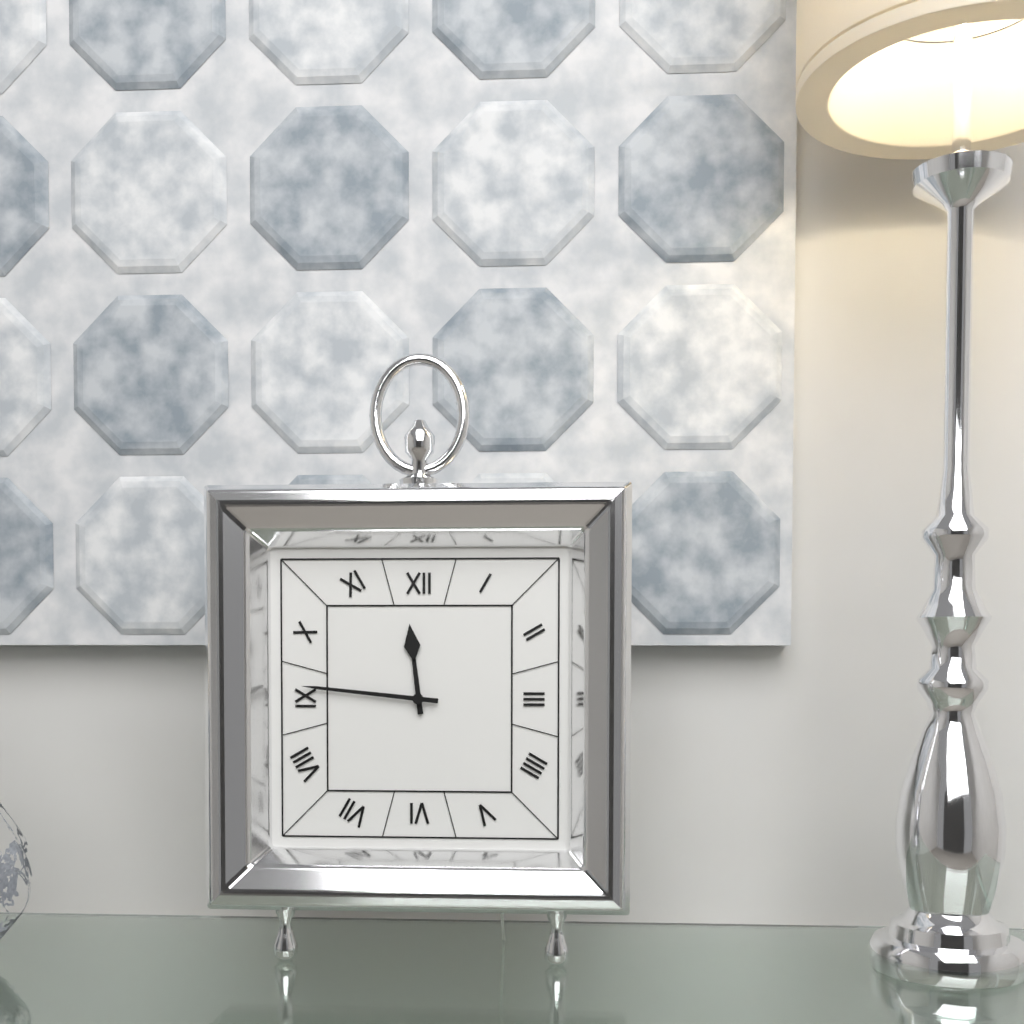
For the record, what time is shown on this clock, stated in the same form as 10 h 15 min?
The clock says 11 h 46 min
